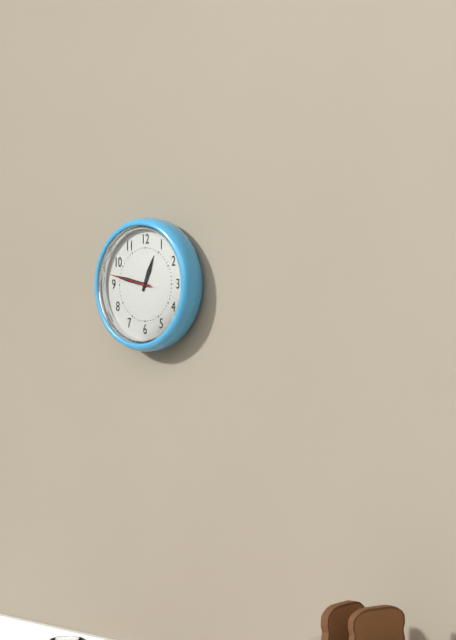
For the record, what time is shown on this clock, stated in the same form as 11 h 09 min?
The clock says 12 h 47 min
